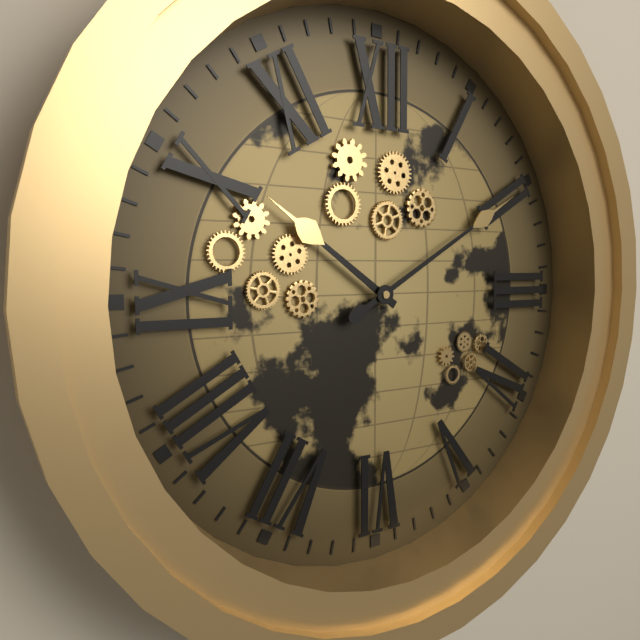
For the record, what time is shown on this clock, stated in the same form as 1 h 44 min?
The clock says 10 h 10 min
